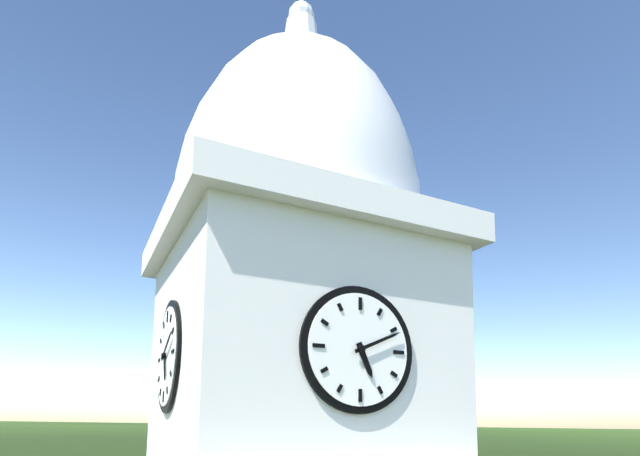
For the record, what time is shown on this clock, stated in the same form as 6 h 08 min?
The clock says 5 h 11 min
